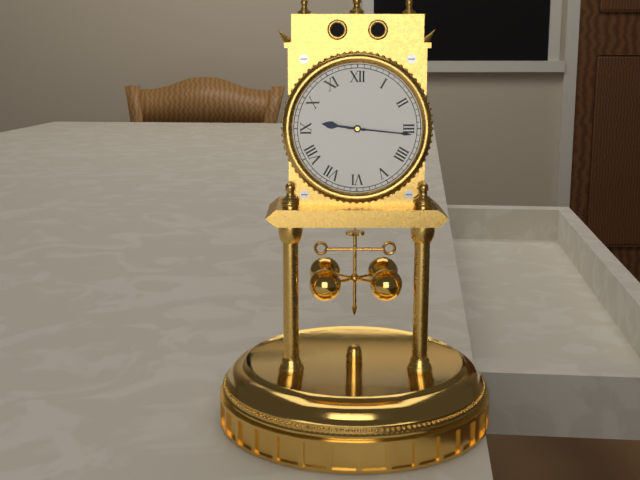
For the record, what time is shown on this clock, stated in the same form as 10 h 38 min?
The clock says 9 h 16 min
